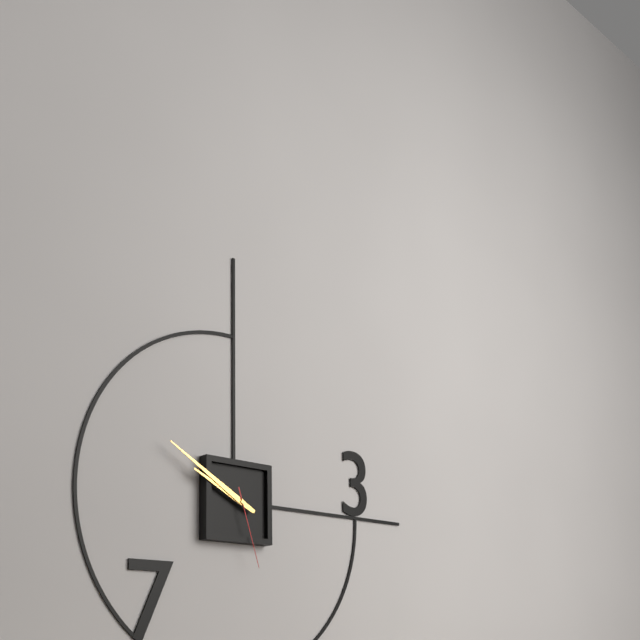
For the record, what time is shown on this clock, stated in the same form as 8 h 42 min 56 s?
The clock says 9 h 50 min 27 s
